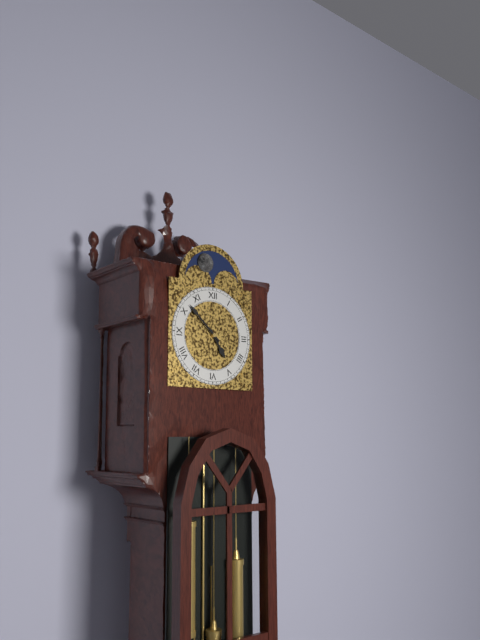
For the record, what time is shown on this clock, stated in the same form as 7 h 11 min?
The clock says 4 h 52 min
